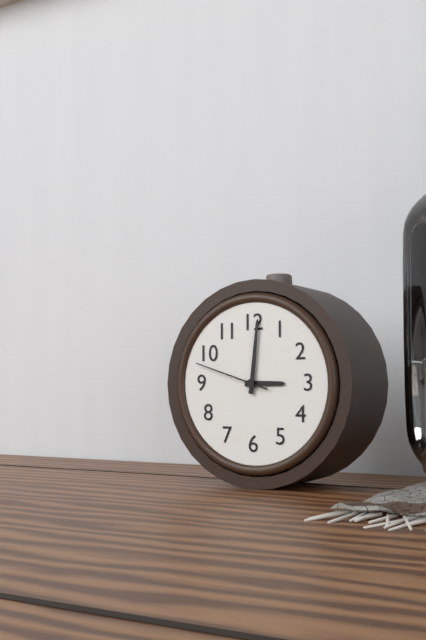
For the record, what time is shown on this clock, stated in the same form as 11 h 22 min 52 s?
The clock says 3 h 01 min 48 s
